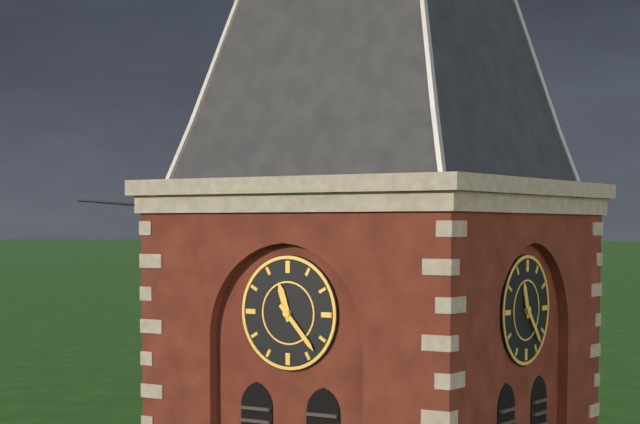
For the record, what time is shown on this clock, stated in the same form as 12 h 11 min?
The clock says 11 h 23 min
